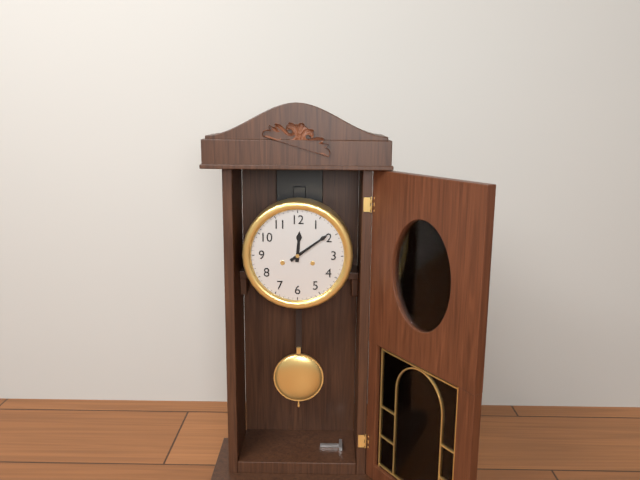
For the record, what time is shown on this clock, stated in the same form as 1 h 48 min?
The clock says 12 h 09 min
